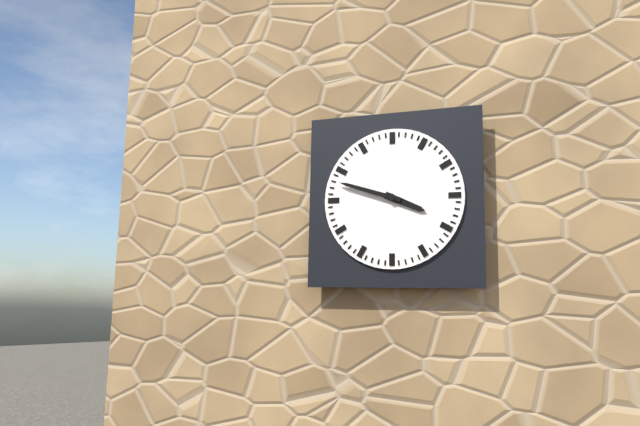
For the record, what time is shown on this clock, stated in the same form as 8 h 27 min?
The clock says 3 h 48 min
